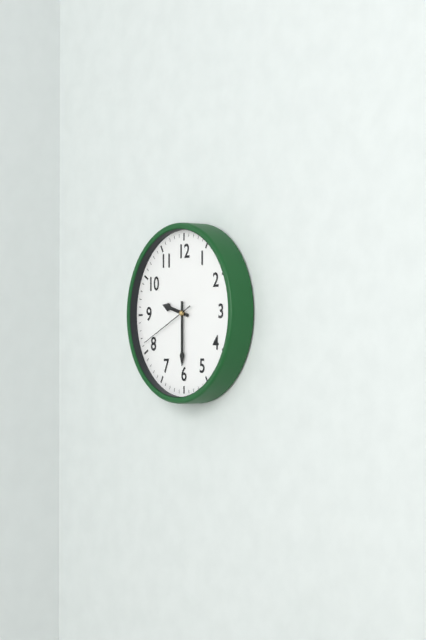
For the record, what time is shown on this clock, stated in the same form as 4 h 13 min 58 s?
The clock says 9 h 30 min 41 s
